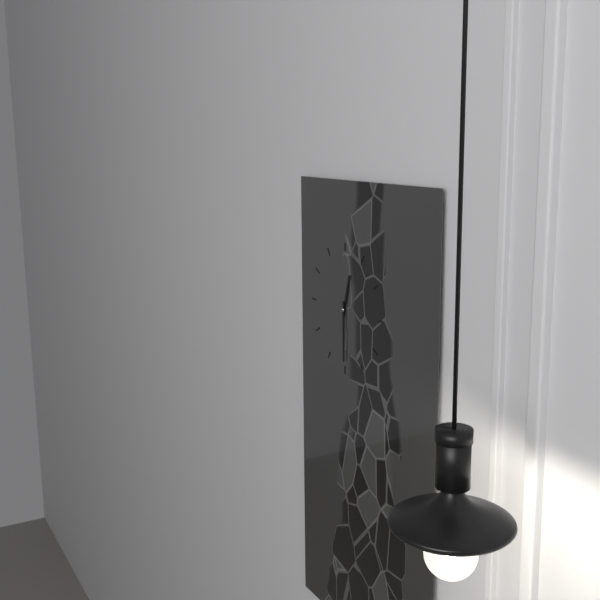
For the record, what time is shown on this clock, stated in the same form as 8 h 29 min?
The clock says 12 h 30 min
